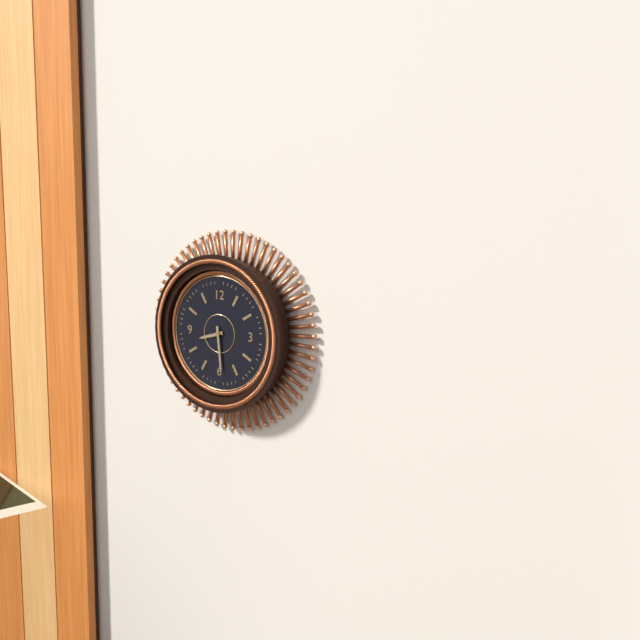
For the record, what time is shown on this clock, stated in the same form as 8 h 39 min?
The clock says 8 h 29 min
